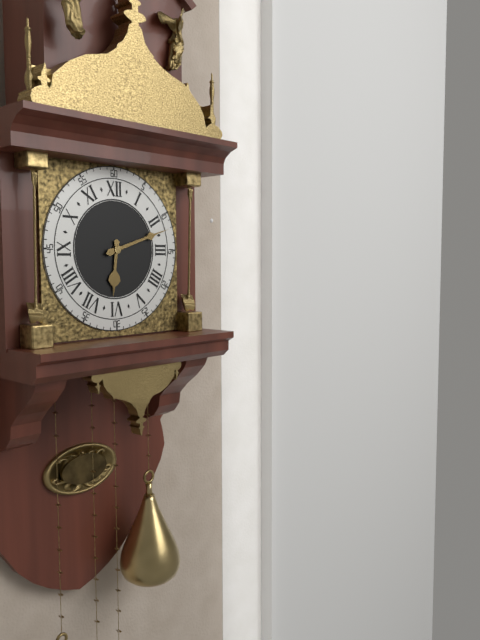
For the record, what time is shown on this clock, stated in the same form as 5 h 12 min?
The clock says 6 h 12 min
